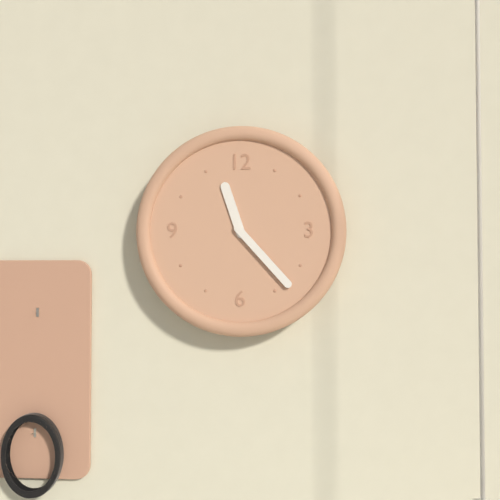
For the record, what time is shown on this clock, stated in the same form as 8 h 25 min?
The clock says 11 h 23 min
